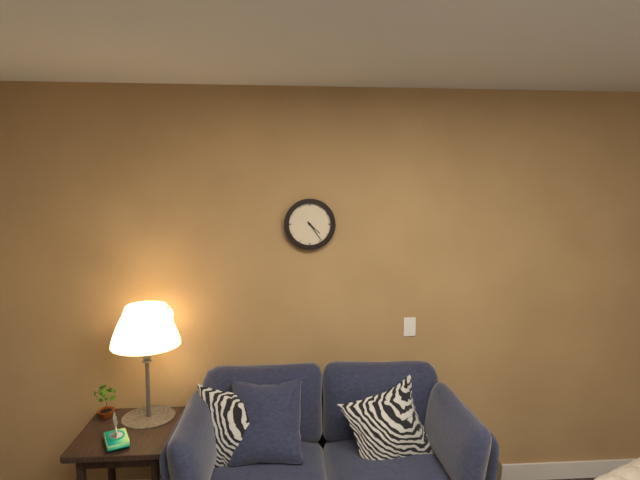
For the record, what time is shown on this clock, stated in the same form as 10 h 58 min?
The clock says 4 h 24 min
